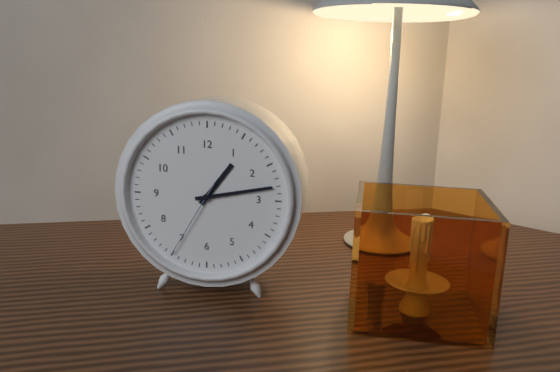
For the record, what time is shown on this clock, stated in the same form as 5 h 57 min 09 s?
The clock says 1 h 13 min 35 s
